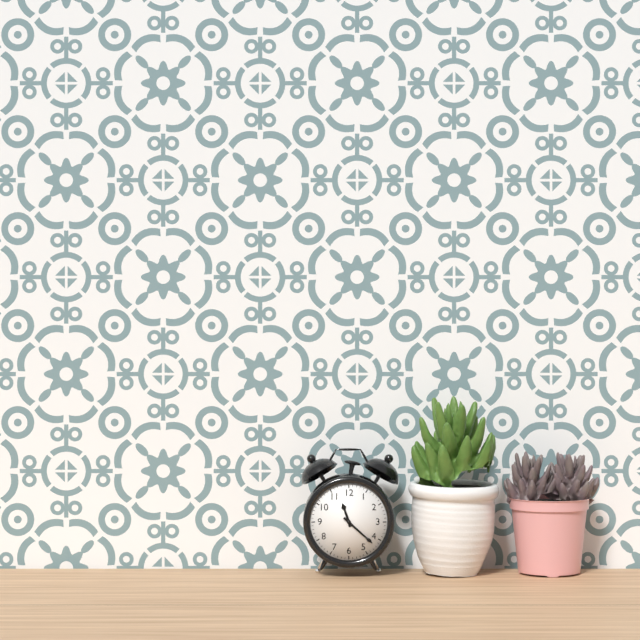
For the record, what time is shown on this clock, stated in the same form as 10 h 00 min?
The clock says 11 h 22 min
